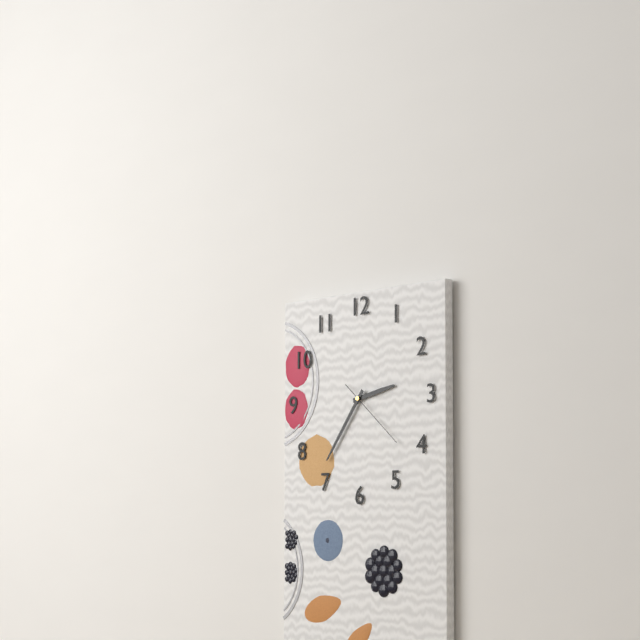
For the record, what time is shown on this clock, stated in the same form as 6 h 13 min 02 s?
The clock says 2 h 36 min 22 s
